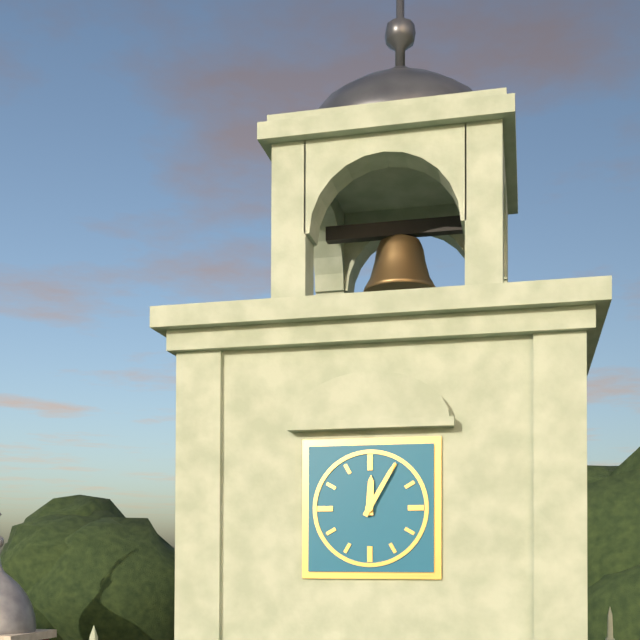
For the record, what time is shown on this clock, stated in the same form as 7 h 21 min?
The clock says 12 h 05 min
